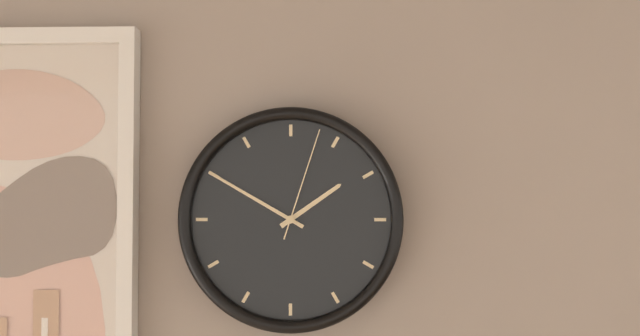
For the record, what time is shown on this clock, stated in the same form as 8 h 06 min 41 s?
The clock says 1 h 50 min 03 s
